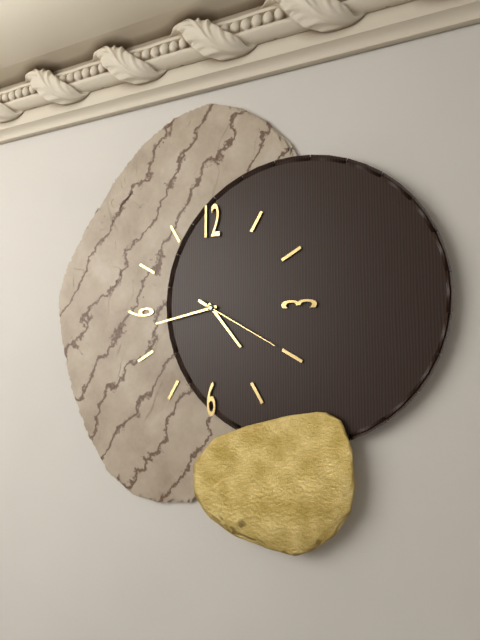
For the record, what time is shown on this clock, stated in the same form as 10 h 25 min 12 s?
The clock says 4 h 43 min 20 s
